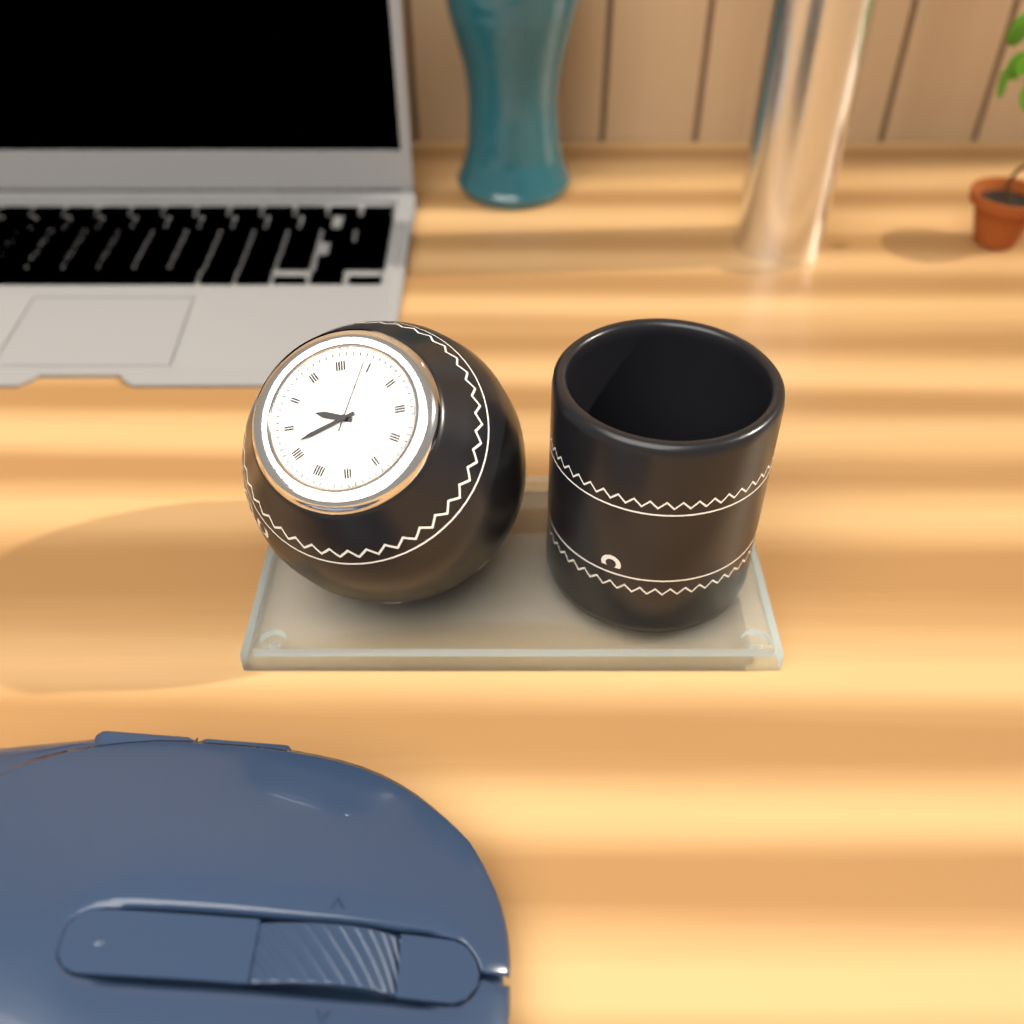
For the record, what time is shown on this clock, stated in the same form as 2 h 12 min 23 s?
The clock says 9 h 42 min 04 s
